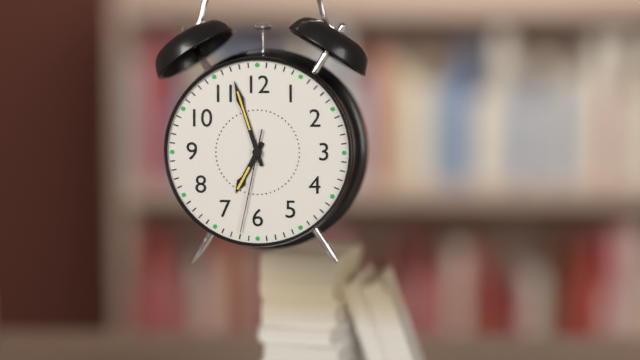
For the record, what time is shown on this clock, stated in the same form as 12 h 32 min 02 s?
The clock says 6 h 57 min 32 s
